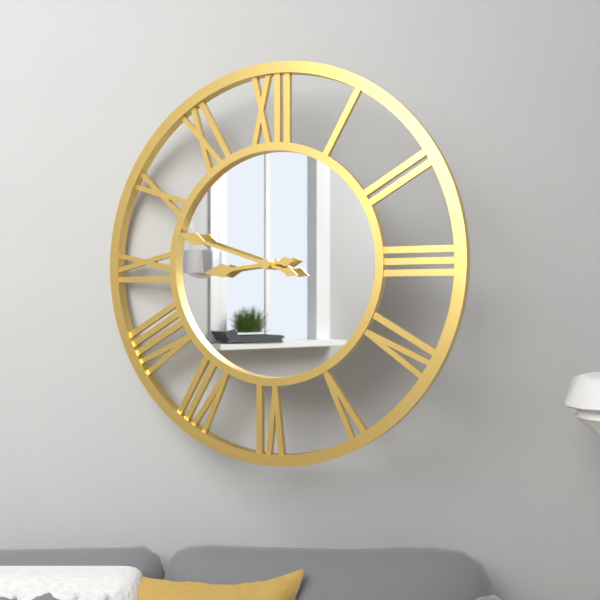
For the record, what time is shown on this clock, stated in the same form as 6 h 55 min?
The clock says 8 h 48 min
